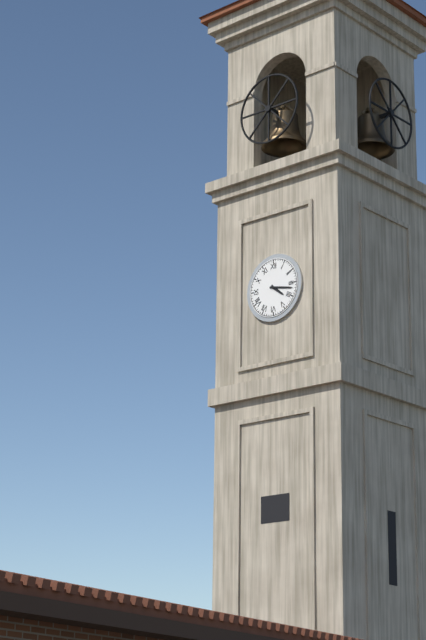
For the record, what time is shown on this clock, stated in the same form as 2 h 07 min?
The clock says 4 h 17 min
